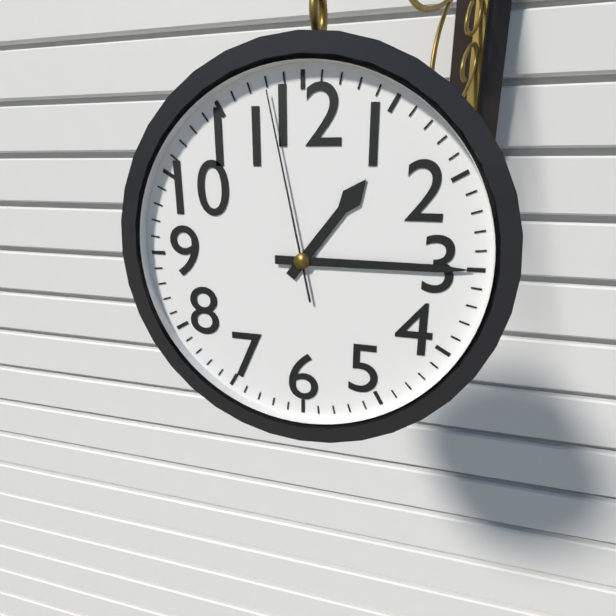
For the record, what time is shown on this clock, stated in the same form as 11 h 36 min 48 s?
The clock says 1 h 15 min 58 s
